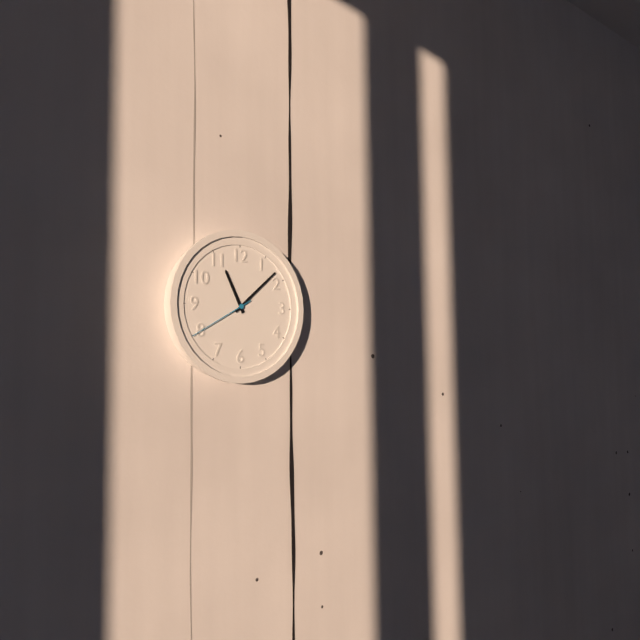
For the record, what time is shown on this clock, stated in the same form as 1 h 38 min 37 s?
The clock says 11 h 08 min 40 s
